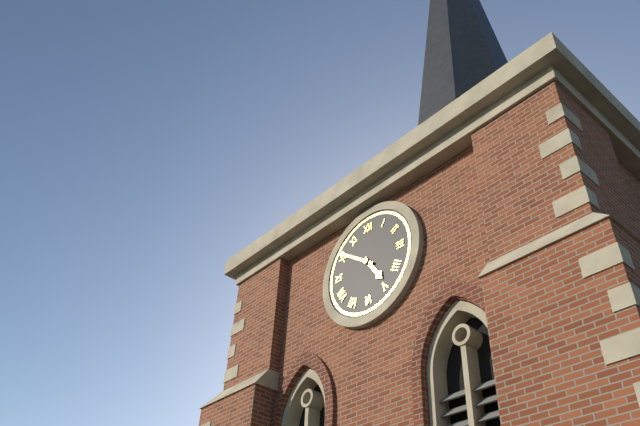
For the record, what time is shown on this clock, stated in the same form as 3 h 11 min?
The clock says 4 h 51 min
